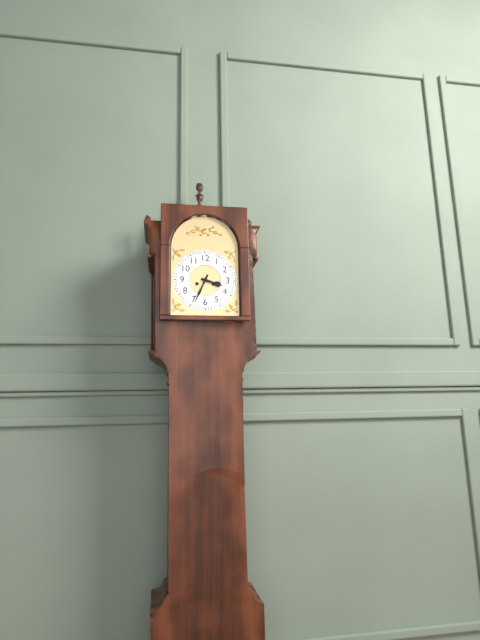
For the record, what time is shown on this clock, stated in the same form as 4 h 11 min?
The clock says 3 h 34 min
